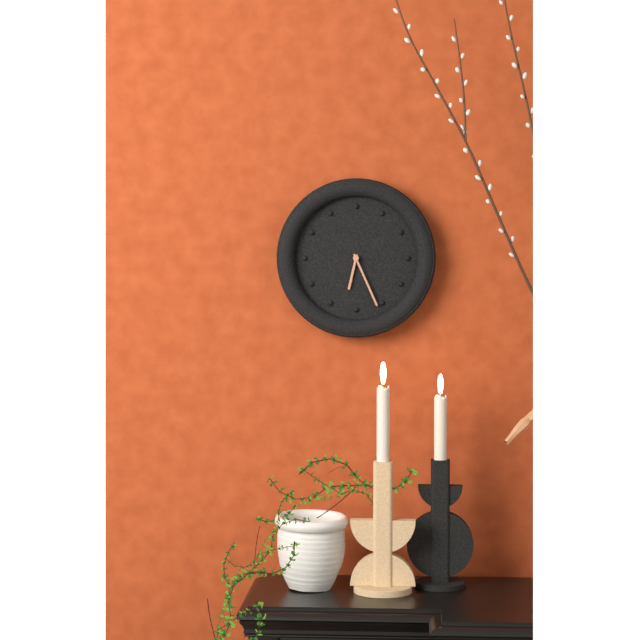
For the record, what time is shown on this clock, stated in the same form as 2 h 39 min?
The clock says 6 h 26 min
